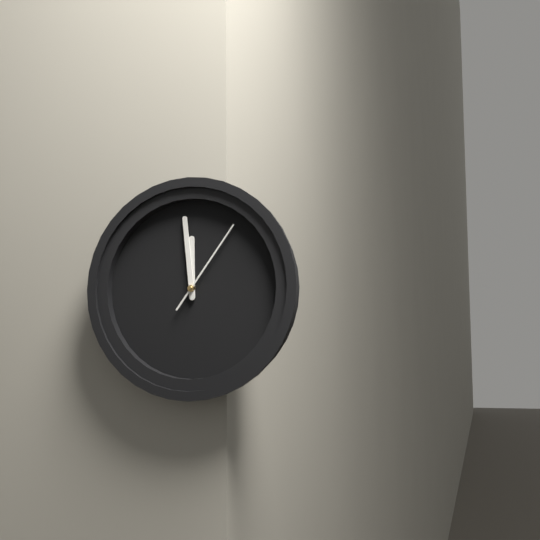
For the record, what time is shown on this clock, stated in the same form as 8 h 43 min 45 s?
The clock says 11 h 59 min 06 s
